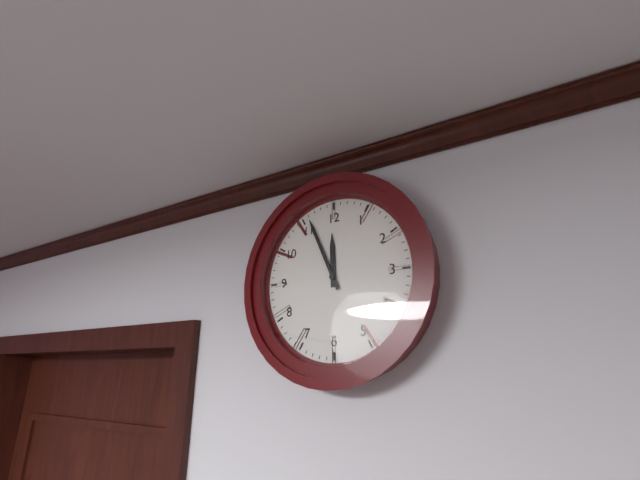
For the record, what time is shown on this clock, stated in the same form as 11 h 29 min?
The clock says 11 h 56 min
